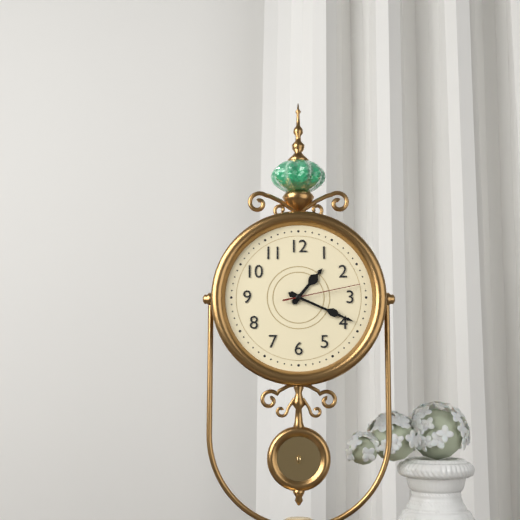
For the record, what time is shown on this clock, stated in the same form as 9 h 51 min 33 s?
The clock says 1 h 19 min 13 s
